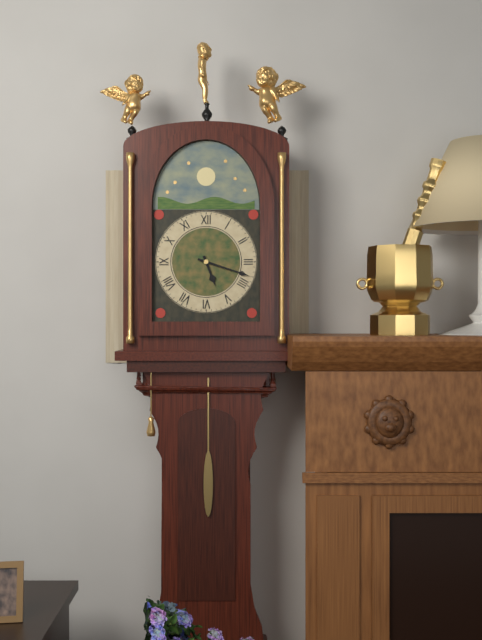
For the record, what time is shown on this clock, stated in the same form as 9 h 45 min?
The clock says 5 h 18 min
